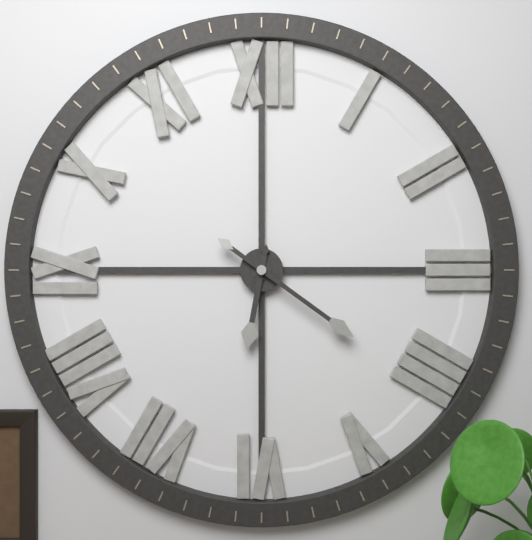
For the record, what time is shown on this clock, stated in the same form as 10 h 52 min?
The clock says 6 h 21 min
